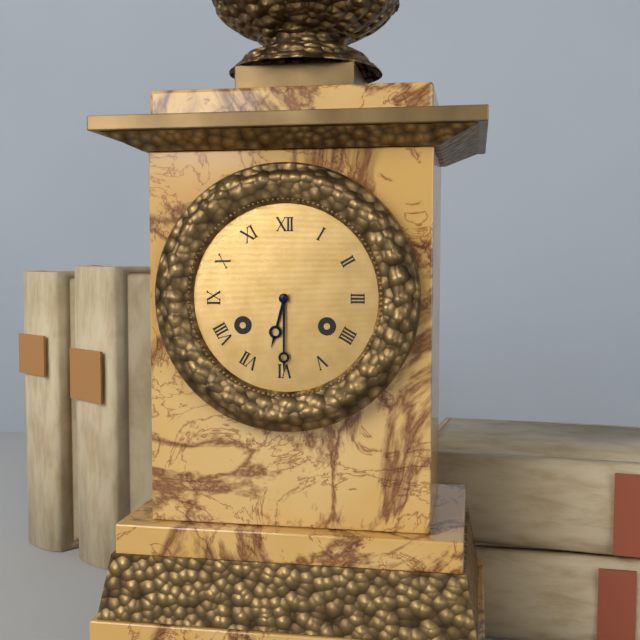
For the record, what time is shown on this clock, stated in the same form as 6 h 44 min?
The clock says 6 h 30 min
